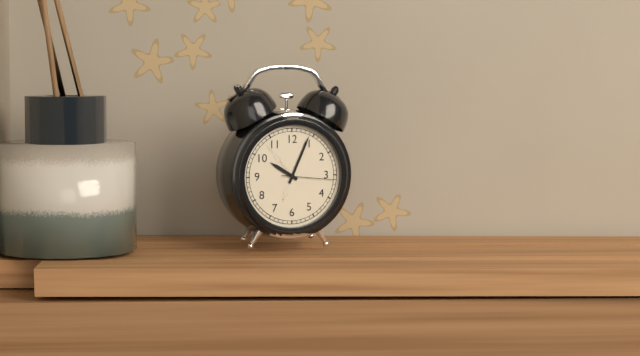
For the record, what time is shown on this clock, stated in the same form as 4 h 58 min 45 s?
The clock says 10 h 04 min 16 s
